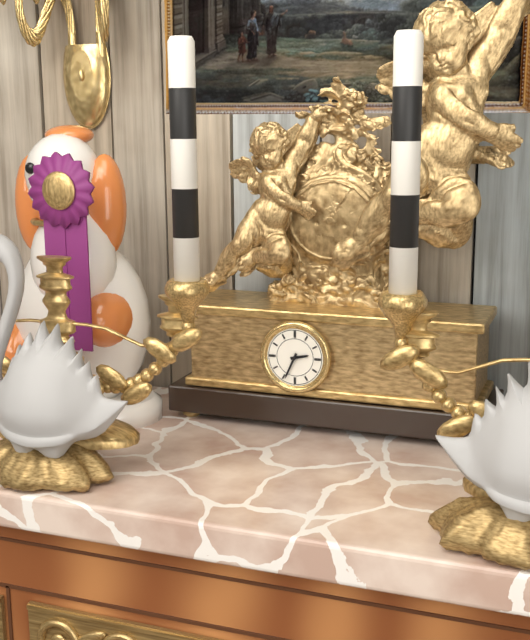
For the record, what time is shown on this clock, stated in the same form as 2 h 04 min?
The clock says 2 h 34 min
